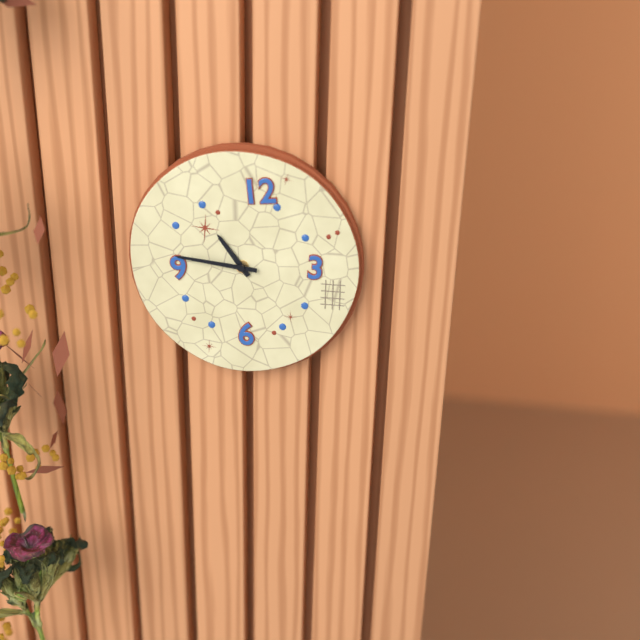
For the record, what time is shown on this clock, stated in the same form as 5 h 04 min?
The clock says 10 h 46 min
